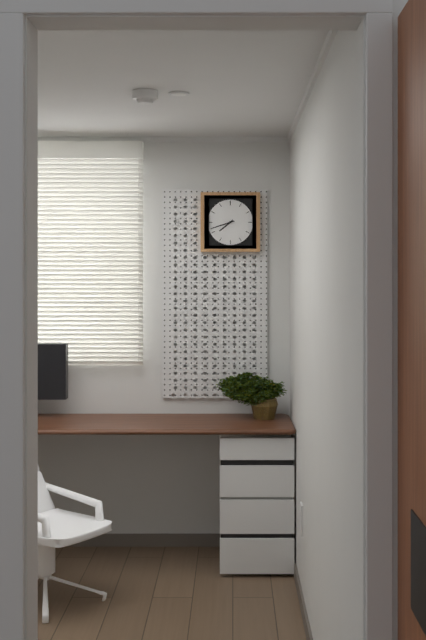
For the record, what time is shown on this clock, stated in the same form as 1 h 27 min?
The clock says 7 h 42 min
